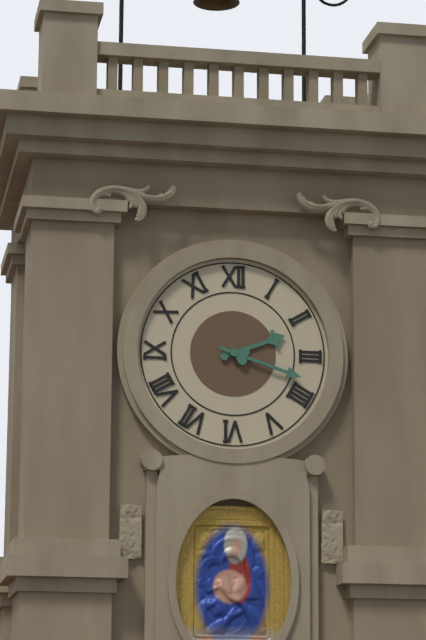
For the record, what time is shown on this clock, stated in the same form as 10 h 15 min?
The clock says 2 h 18 min
